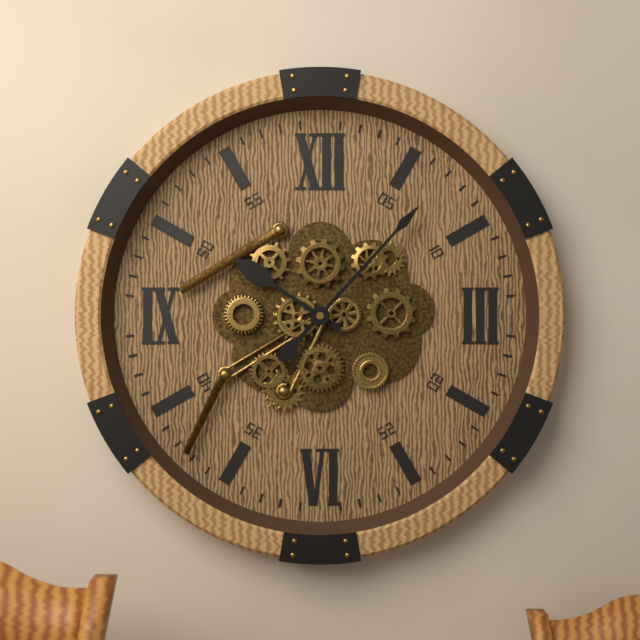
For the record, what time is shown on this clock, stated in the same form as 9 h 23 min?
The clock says 10 h 07 min
